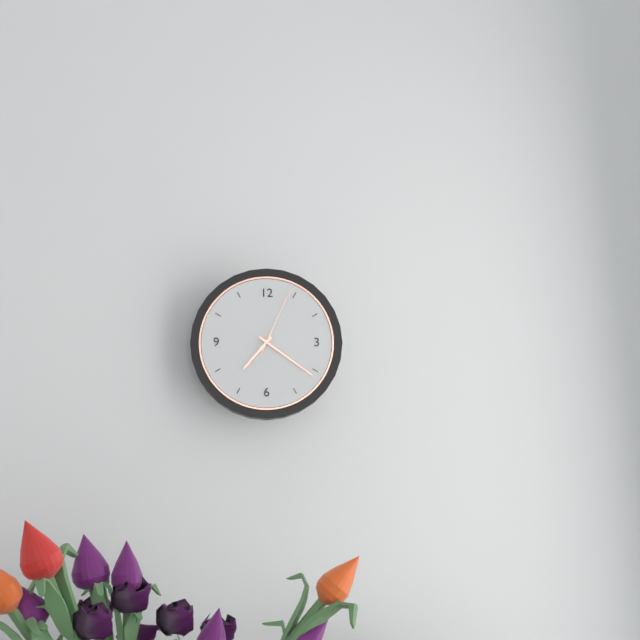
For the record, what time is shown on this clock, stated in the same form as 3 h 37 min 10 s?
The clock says 7 h 21 min 04 s
